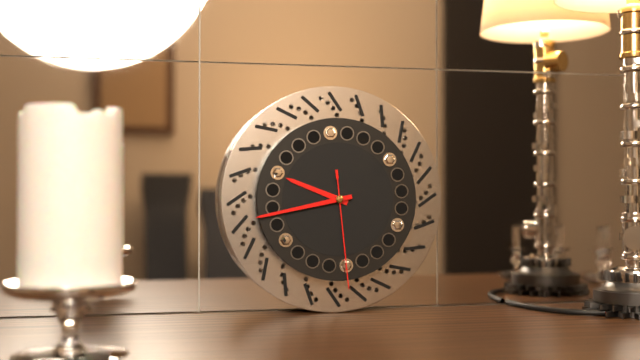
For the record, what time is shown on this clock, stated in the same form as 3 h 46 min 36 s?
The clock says 9 h 43 min 29 s
